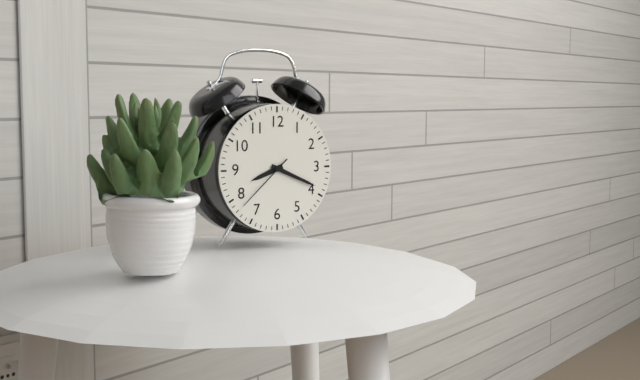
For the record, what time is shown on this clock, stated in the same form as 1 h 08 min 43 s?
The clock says 8 h 19 min 38 s
